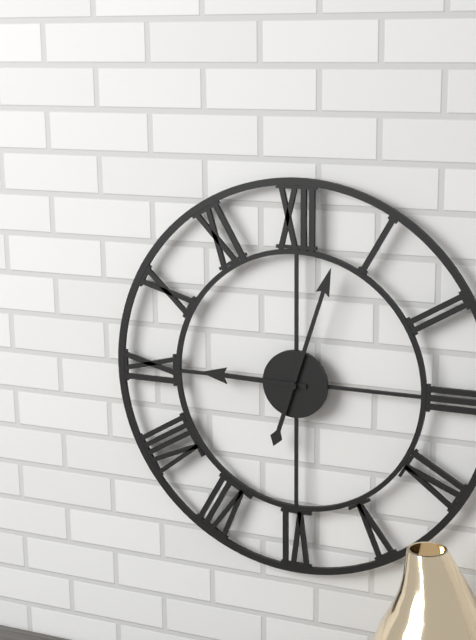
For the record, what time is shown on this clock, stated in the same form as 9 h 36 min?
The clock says 9 h 03 min
